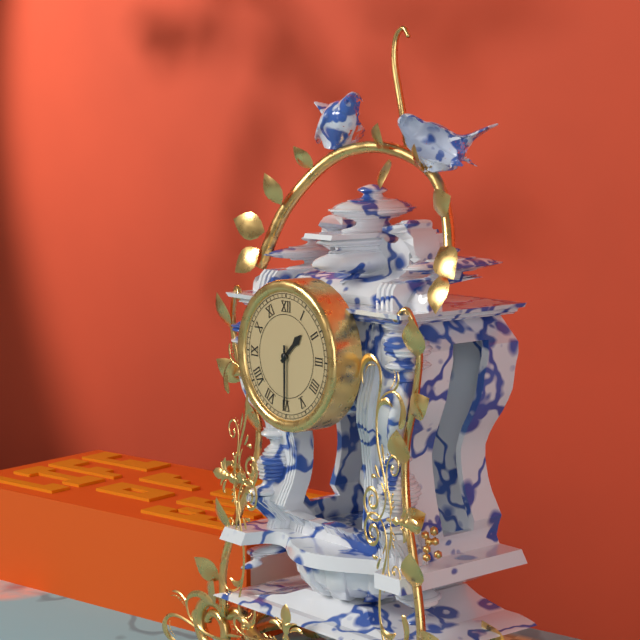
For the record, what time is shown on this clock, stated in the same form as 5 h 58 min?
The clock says 1 h 30 min
